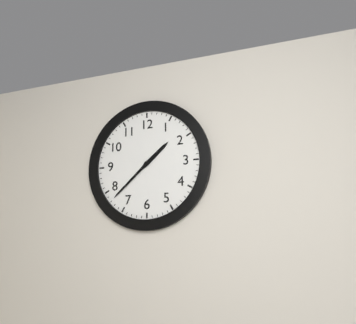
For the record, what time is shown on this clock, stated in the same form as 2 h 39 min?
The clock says 1 h 38 min
